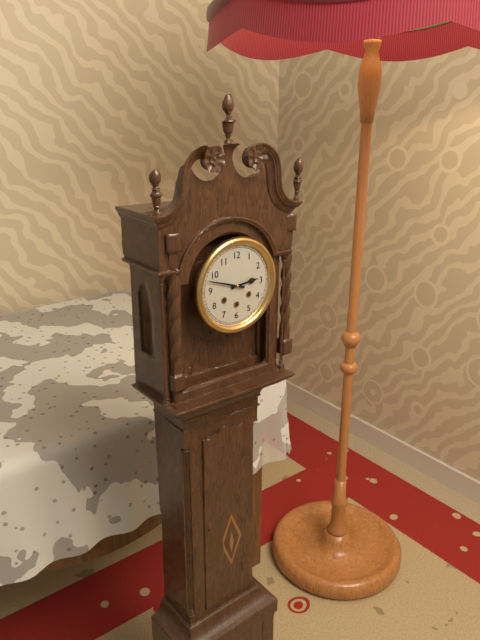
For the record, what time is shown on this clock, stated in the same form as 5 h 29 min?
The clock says 2 h 48 min
